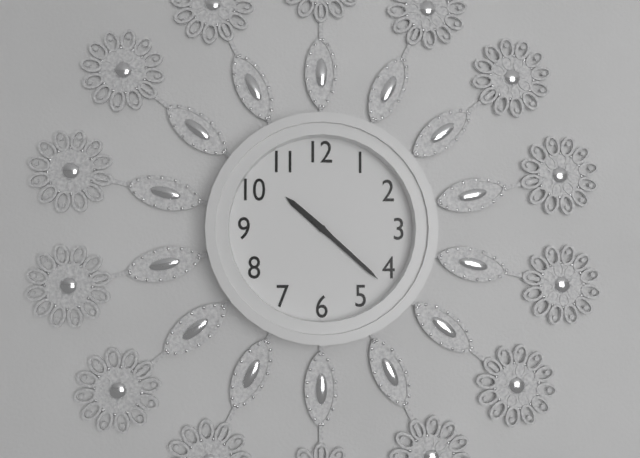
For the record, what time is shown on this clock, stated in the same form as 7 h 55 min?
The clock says 10 h 22 min
